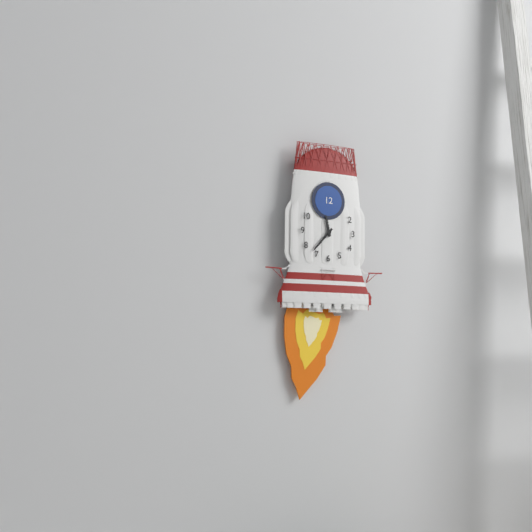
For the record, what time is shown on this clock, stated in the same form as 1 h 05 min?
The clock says 11 h 37 min
